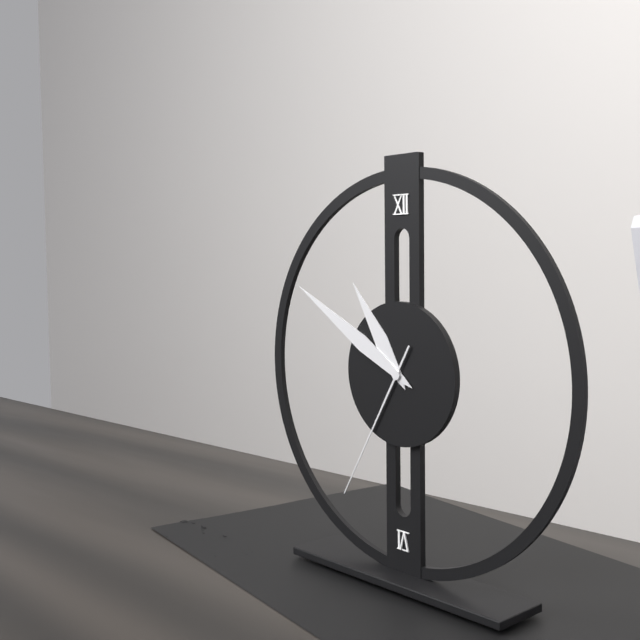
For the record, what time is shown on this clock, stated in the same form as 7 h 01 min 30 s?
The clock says 10 h 50 min 35 s
